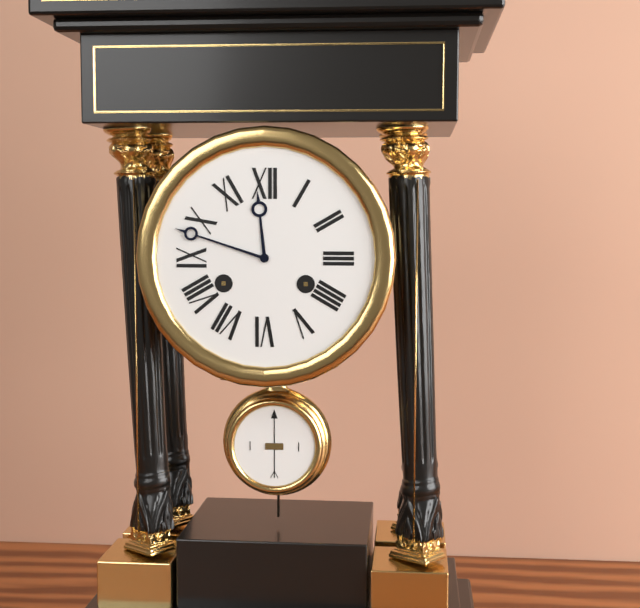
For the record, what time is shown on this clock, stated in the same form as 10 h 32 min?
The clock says 11 h 48 min
